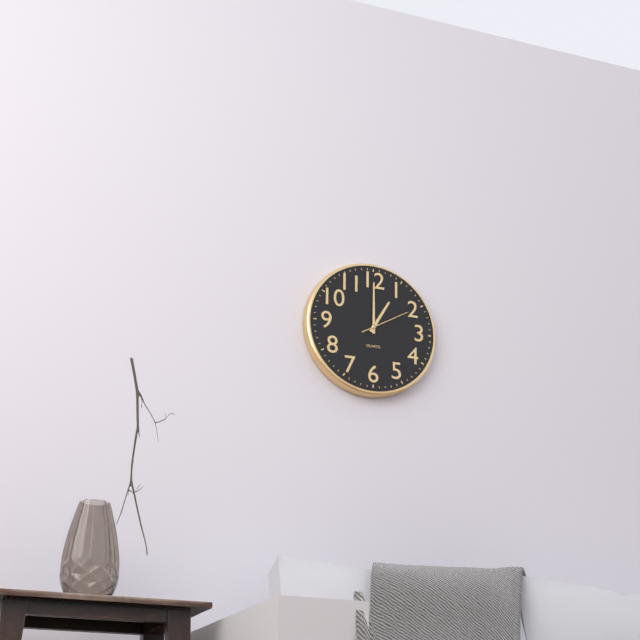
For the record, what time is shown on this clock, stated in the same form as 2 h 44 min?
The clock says 1 h 00 min
